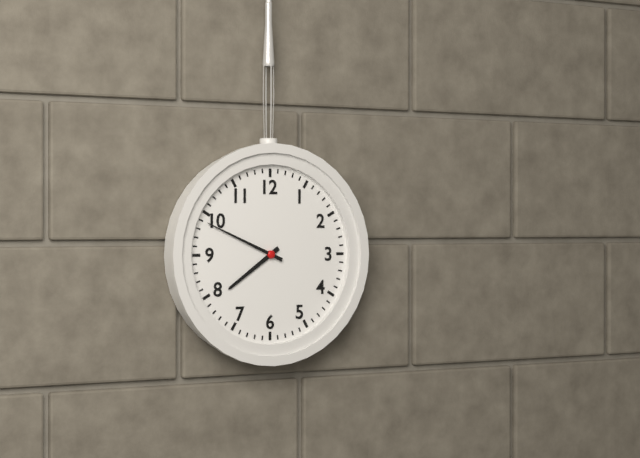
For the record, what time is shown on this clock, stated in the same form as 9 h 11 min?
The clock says 7 h 49 min
